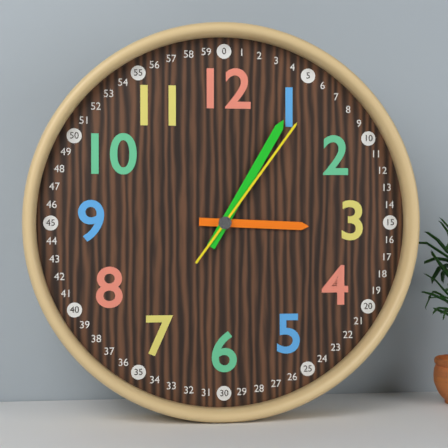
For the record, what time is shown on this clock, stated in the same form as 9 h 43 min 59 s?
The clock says 3 h 05 min 06 s
